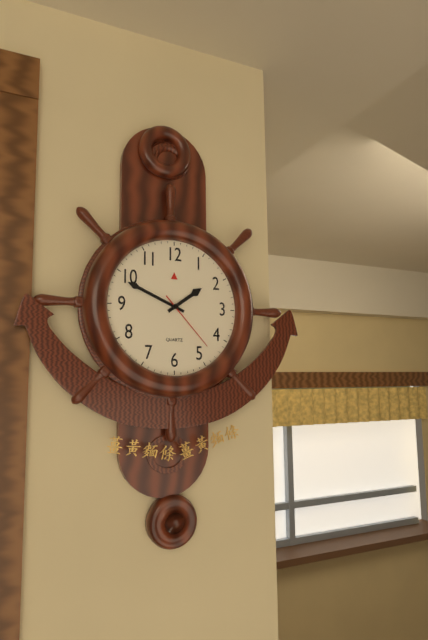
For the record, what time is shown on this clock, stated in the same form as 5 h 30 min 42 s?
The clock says 1 h 49 min 23 s
